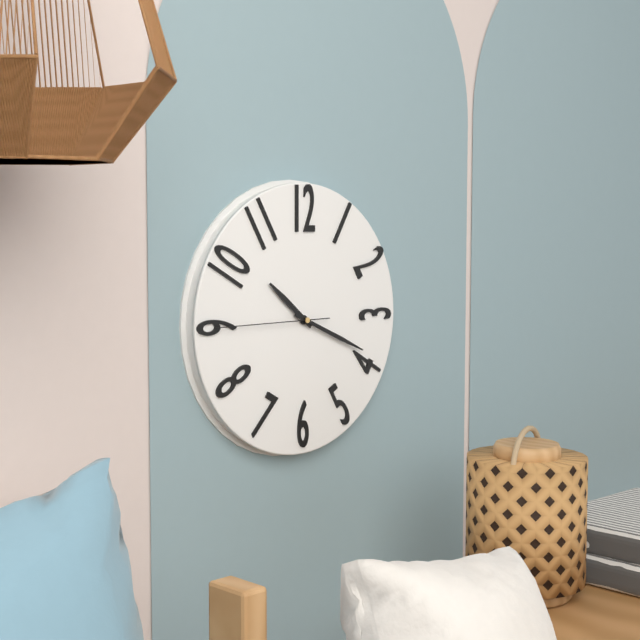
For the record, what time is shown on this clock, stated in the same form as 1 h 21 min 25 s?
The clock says 10 h 19 min 45 s
